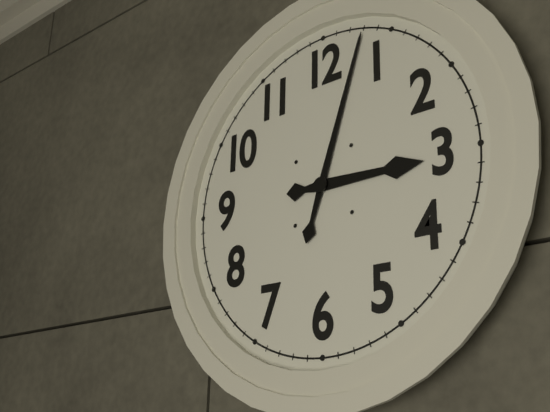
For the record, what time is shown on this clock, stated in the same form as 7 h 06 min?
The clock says 3 h 03 min
